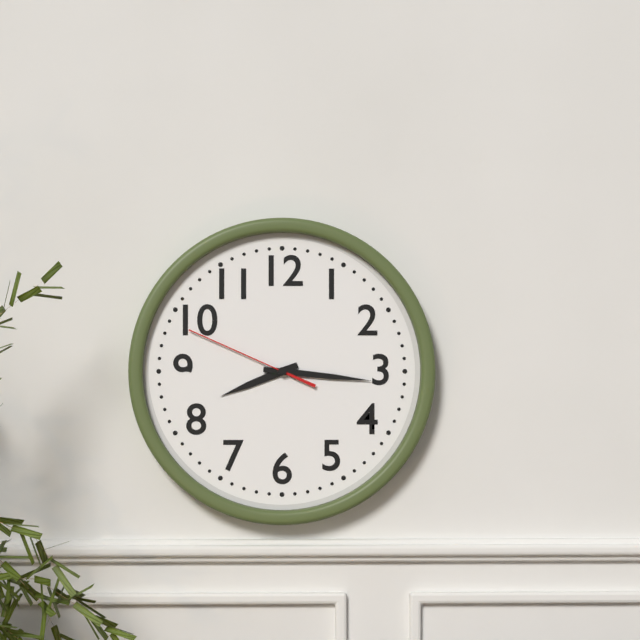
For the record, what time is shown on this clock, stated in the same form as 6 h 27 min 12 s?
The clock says 8 h 16 min 49 s
